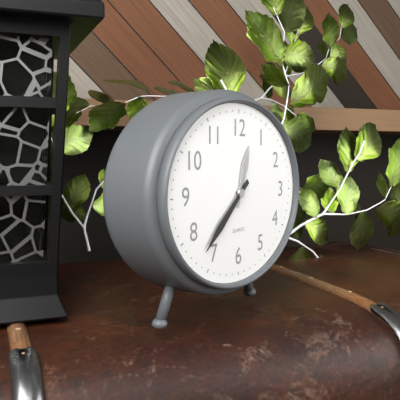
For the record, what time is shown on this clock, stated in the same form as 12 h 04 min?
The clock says 12 h 38 min
